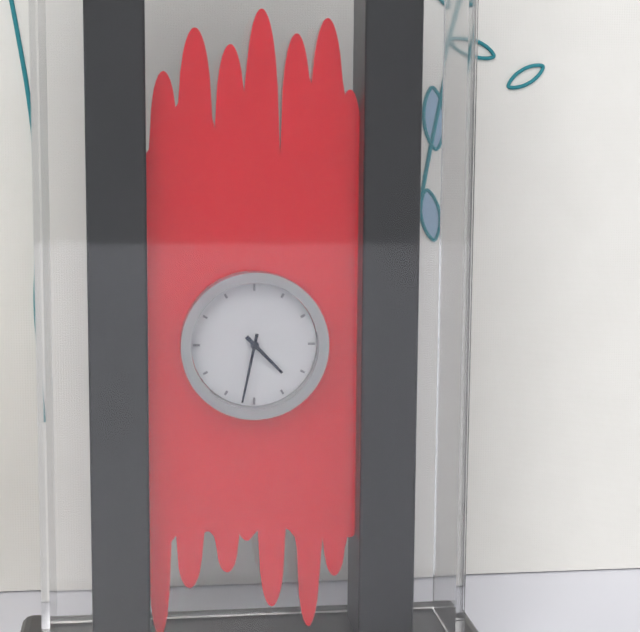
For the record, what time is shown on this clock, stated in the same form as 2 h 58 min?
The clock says 4 h 32 min
